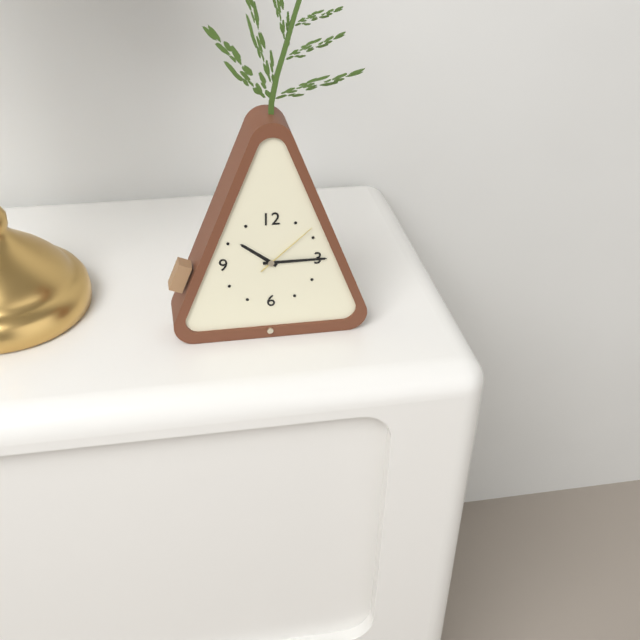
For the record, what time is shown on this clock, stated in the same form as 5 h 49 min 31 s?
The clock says 10 h 15 min 08 s
